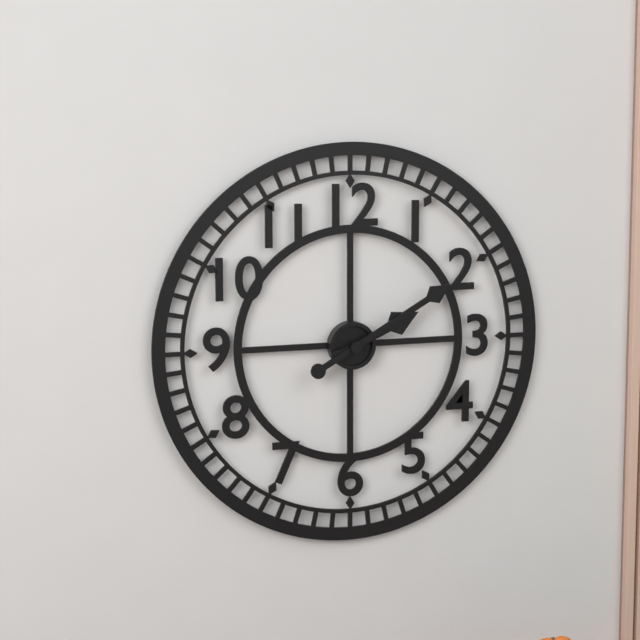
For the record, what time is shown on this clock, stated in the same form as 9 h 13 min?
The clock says 2 h 10 min
